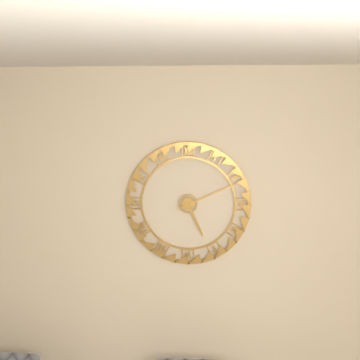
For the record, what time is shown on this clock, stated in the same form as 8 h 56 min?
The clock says 5 h 11 min
